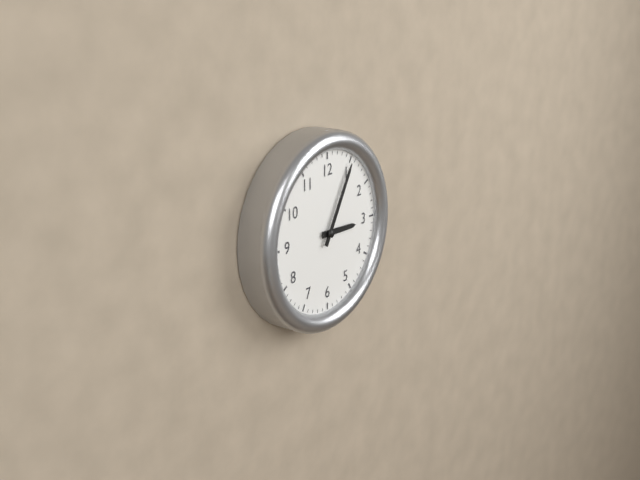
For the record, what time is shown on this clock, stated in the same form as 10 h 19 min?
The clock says 3 h 05 min
